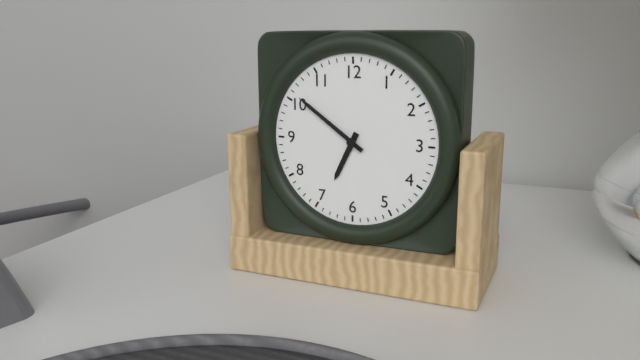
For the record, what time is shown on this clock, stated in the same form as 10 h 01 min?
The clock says 6 h 51 min
